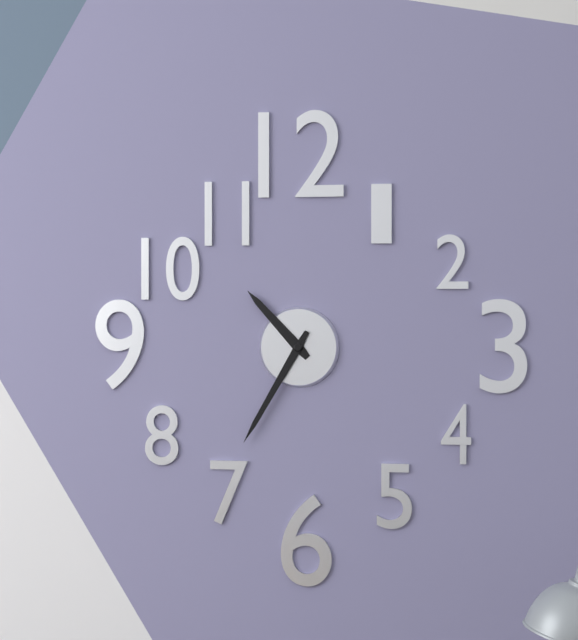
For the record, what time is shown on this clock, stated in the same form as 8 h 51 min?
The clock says 10 h 35 min
